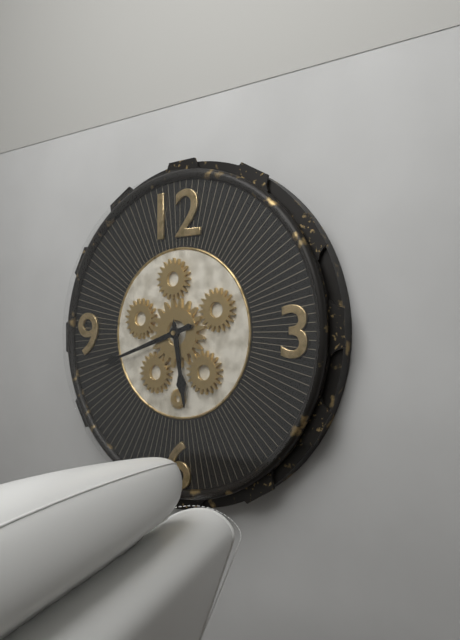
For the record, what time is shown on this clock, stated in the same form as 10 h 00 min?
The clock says 5 h 42 min
